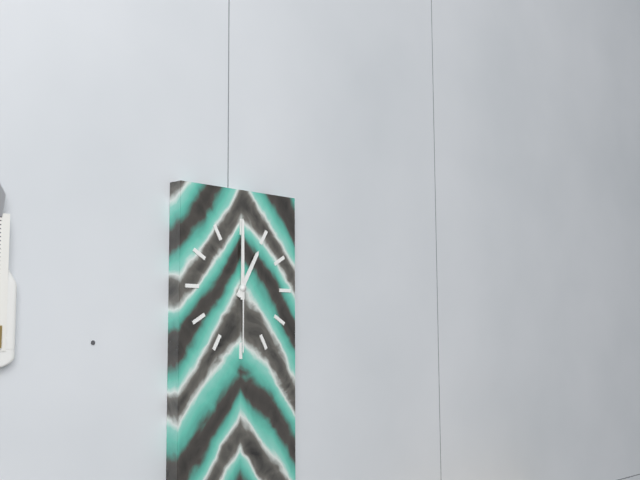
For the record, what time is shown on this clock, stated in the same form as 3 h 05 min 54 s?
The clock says 1 h 00 min 30 s
